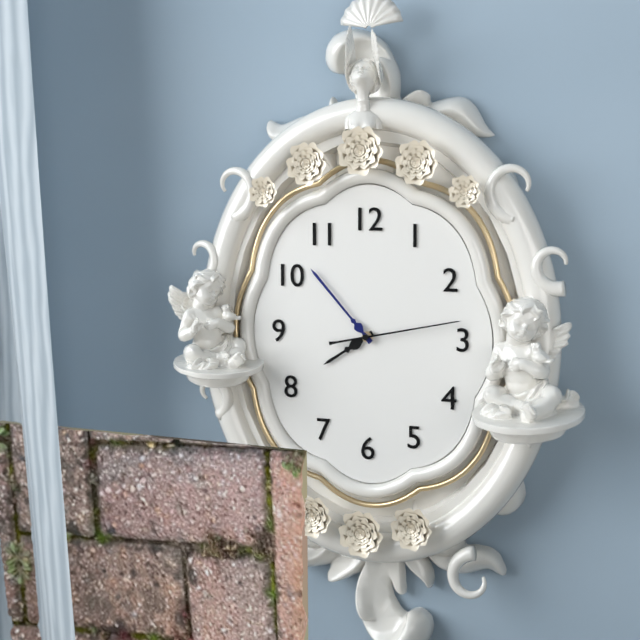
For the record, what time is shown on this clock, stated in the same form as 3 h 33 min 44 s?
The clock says 7 h 53 min 13 s
